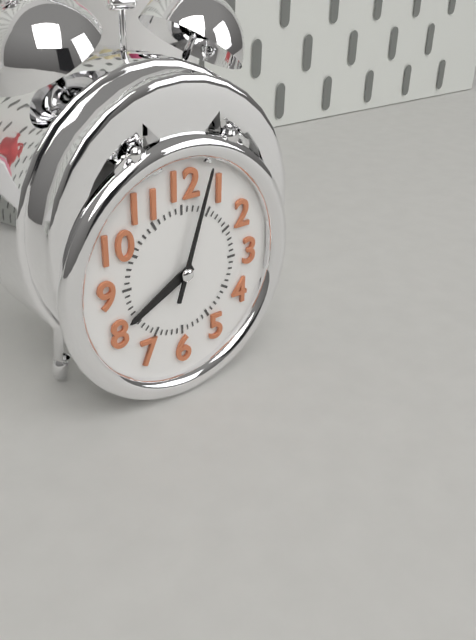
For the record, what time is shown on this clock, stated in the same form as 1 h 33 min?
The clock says 8 h 03 min
